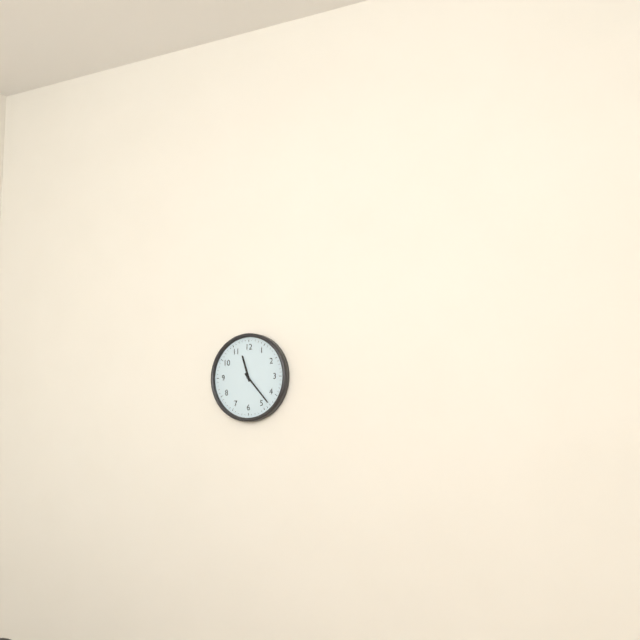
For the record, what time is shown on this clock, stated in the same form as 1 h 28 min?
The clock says 11 h 23 min
